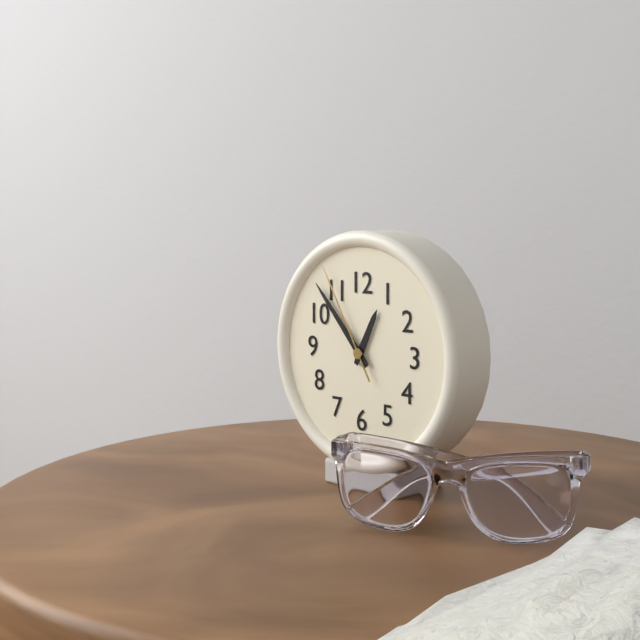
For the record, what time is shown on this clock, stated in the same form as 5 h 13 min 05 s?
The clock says 12 h 53 min 55 s
